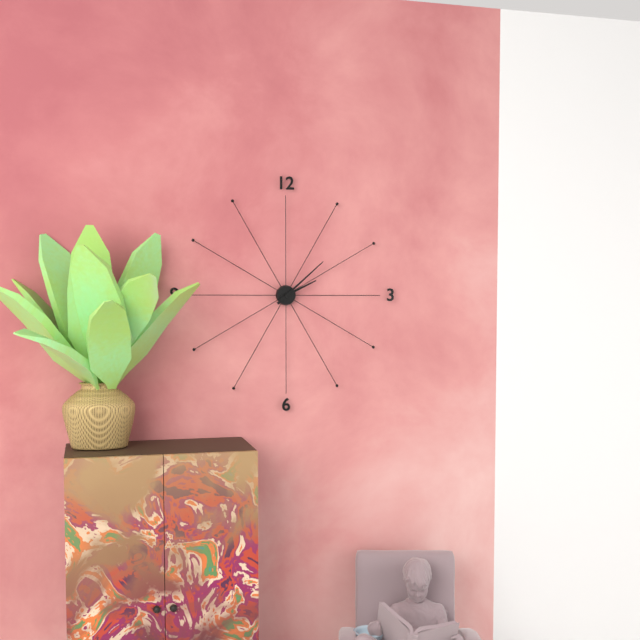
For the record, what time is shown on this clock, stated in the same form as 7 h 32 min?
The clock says 2 h 08 min
